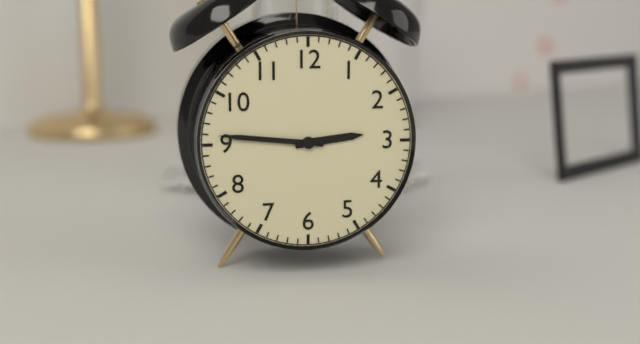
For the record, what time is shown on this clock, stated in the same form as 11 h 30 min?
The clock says 2 h 46 min
